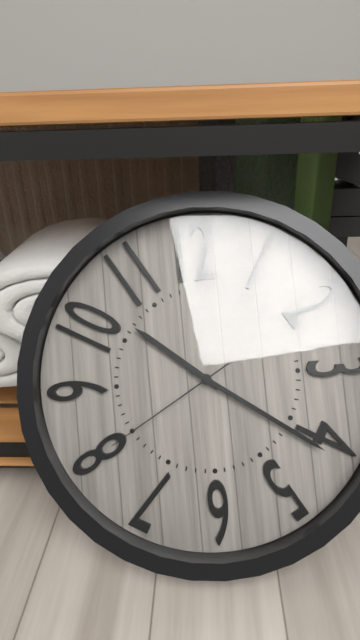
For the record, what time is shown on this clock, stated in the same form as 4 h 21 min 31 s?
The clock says 10 h 21 min 40 s
